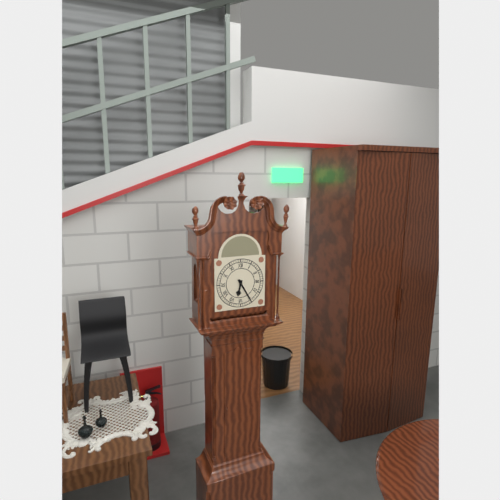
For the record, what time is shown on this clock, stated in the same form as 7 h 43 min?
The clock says 6 h 25 min
